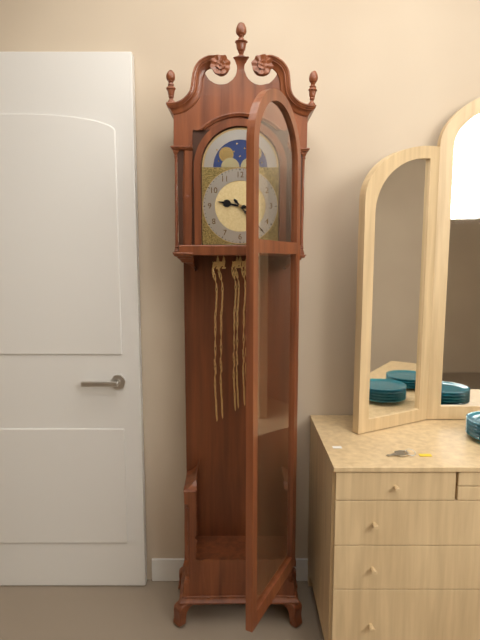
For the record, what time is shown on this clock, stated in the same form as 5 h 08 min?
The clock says 9 h 23 min
